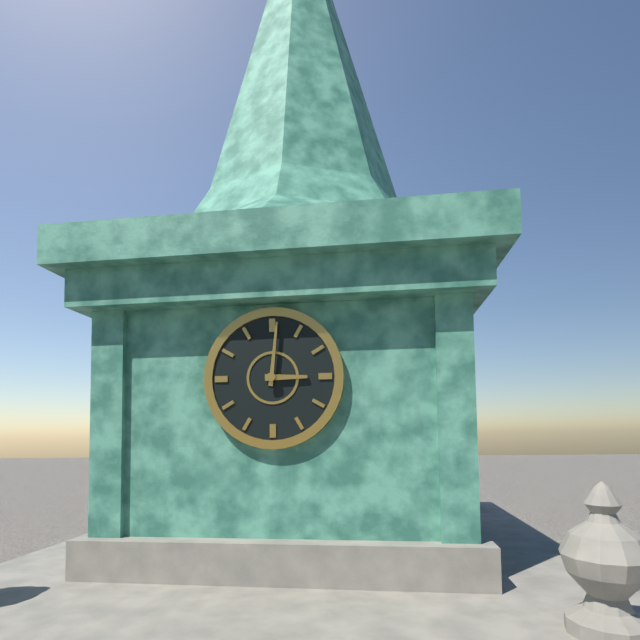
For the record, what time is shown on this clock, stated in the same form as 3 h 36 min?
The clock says 3 h 01 min
